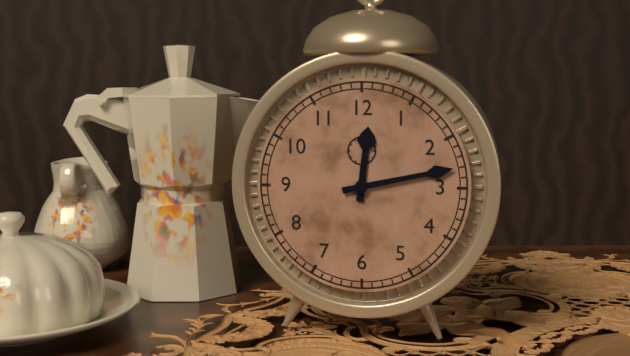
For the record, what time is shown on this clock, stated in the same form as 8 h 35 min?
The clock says 12 h 13 min
